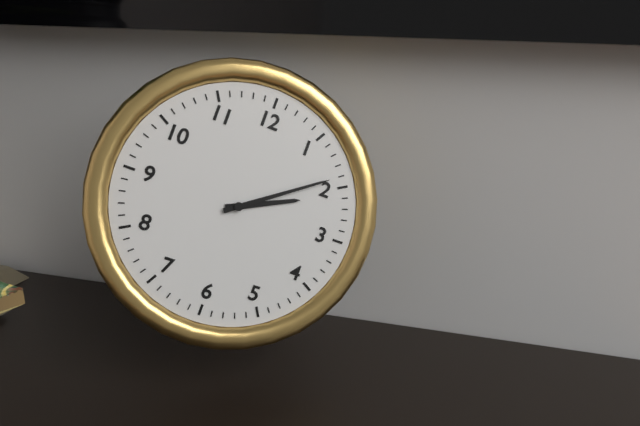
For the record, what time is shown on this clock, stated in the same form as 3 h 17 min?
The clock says 2 h 09 min
